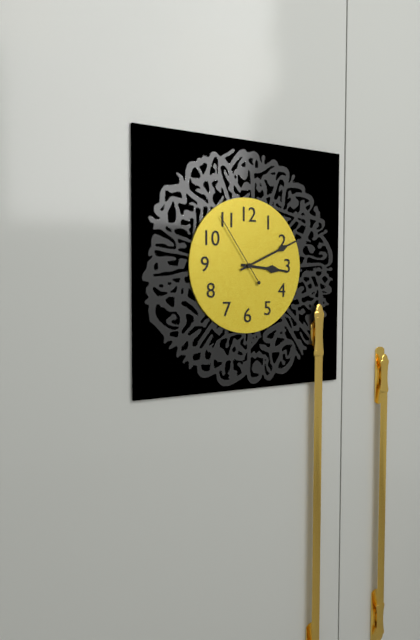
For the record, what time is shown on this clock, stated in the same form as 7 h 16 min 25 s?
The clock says 3 h 11 min 54 s
